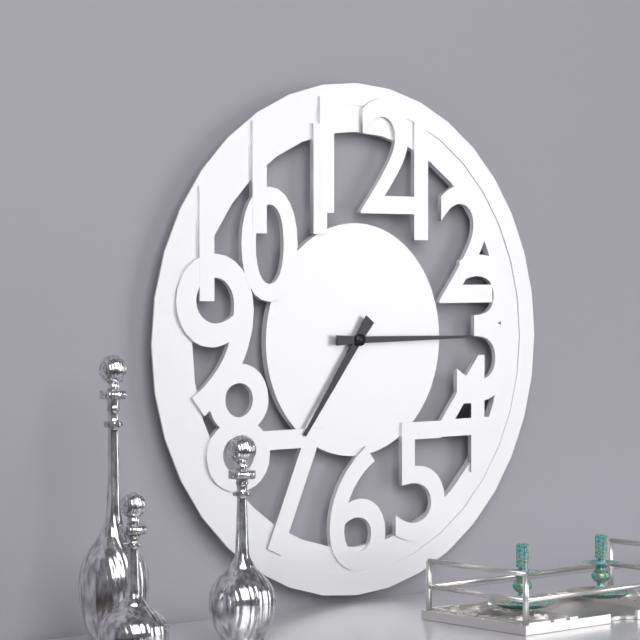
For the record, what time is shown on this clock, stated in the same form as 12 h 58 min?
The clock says 7 h 15 min
